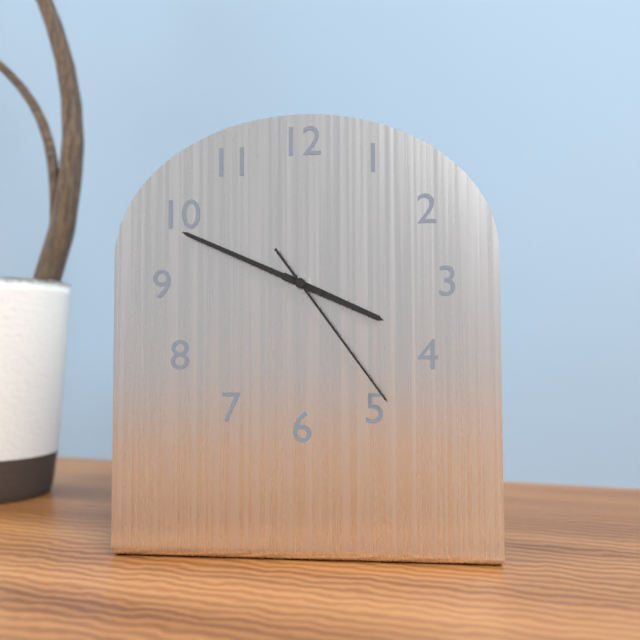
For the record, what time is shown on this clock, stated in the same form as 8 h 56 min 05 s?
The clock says 3 h 49 min 24 s
